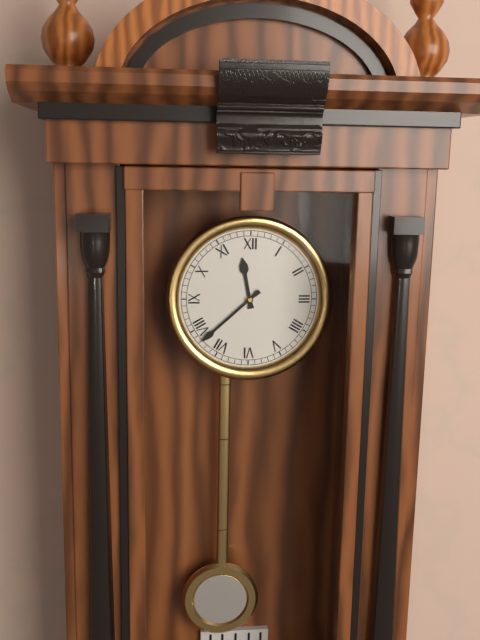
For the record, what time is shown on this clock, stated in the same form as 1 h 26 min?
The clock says 11 h 38 min
